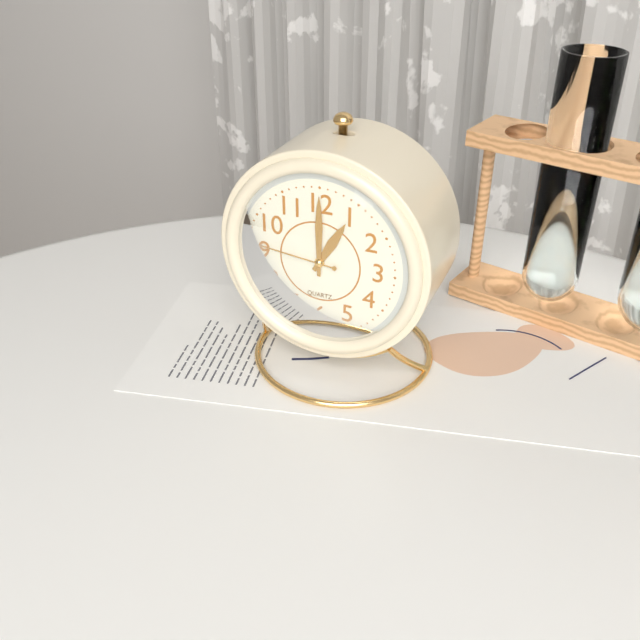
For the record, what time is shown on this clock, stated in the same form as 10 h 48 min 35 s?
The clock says 1 h 00 min 46 s
